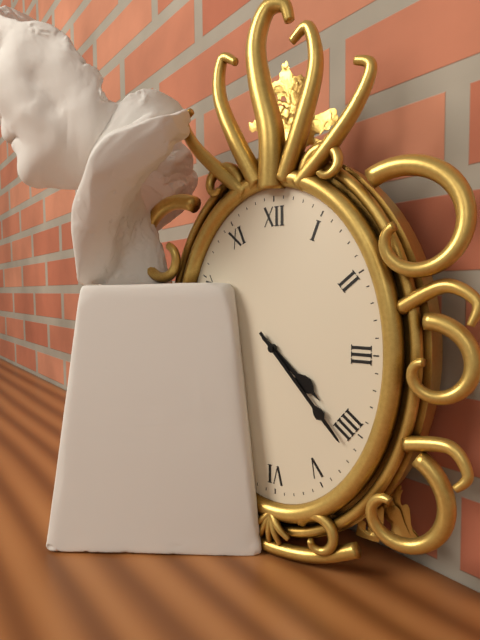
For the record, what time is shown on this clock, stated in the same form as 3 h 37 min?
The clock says 4 h 23 min
